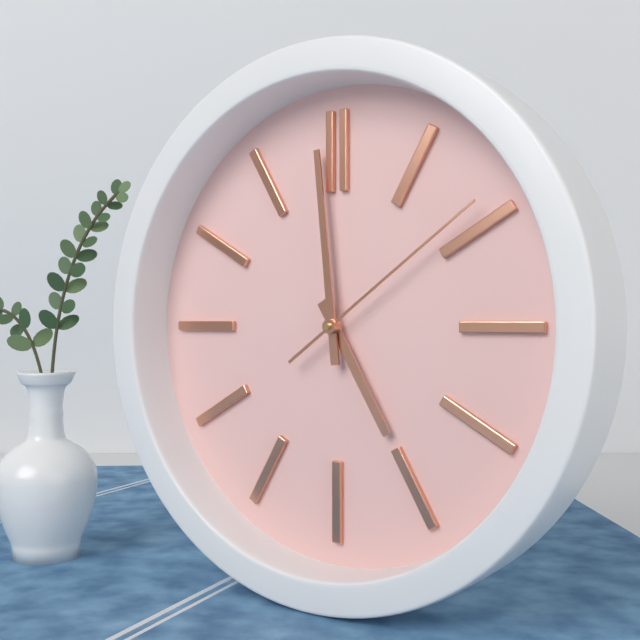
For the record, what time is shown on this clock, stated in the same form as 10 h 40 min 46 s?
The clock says 4 h 59 min 09 s
